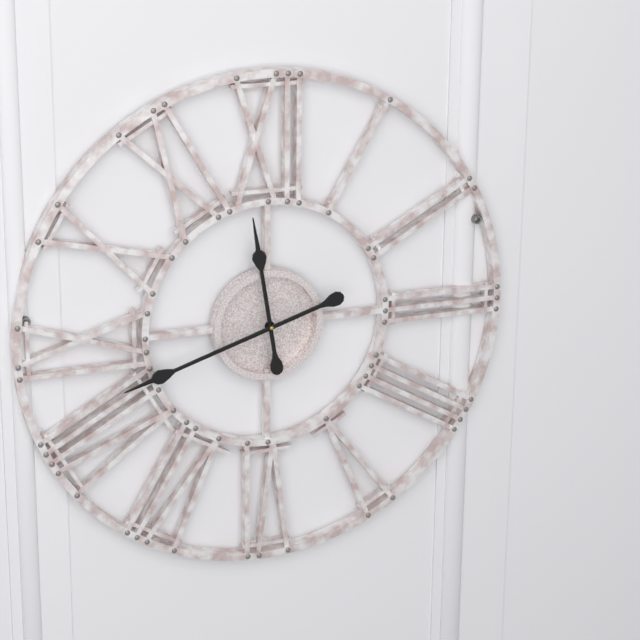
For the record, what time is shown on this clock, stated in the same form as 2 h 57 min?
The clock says 11 h 42 min
